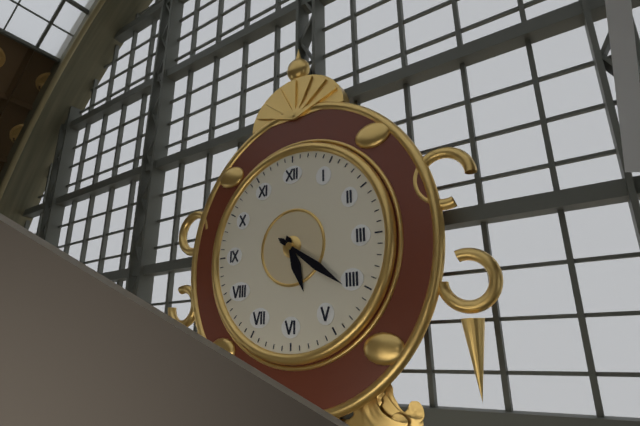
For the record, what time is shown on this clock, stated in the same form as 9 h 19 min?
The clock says 5 h 21 min
